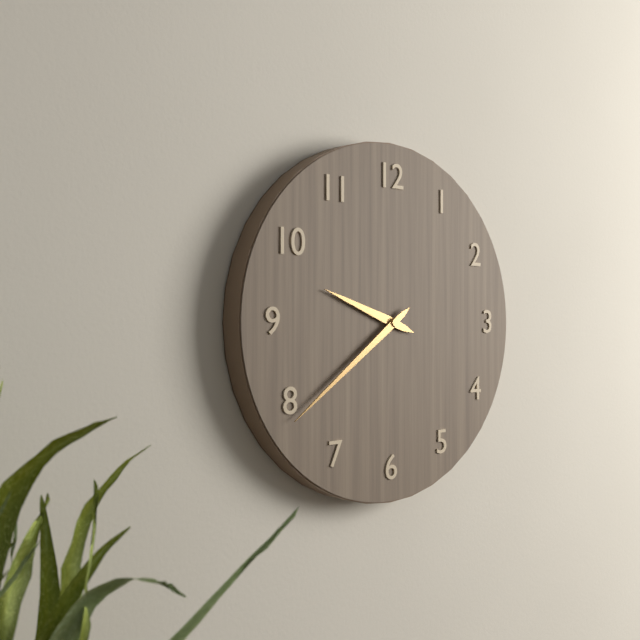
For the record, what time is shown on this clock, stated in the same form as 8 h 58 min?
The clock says 9 h 39 min
